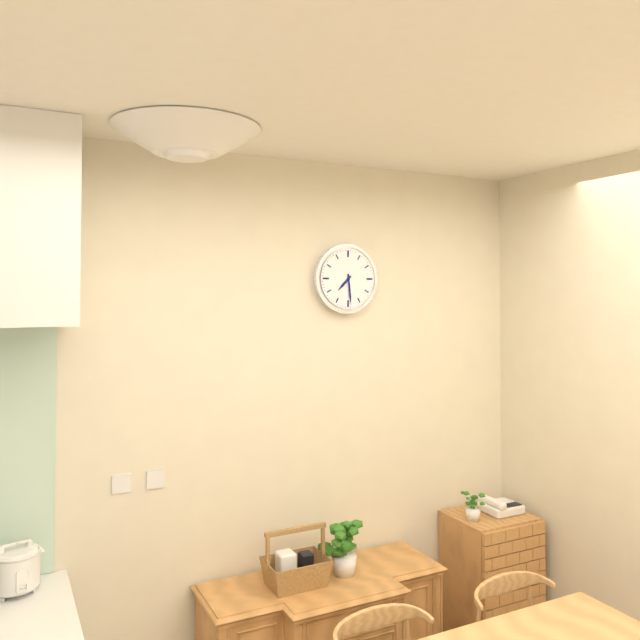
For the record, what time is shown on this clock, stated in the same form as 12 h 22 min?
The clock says 7 h 29 min
